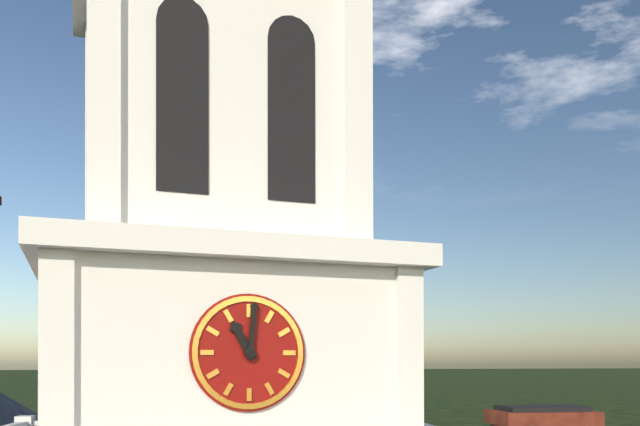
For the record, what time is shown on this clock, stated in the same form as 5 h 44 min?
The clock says 11 h 01 min
